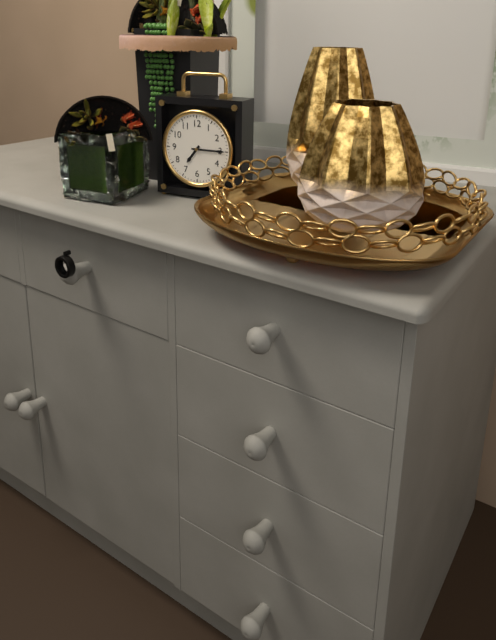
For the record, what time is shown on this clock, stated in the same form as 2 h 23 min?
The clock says 7 h 15 min
